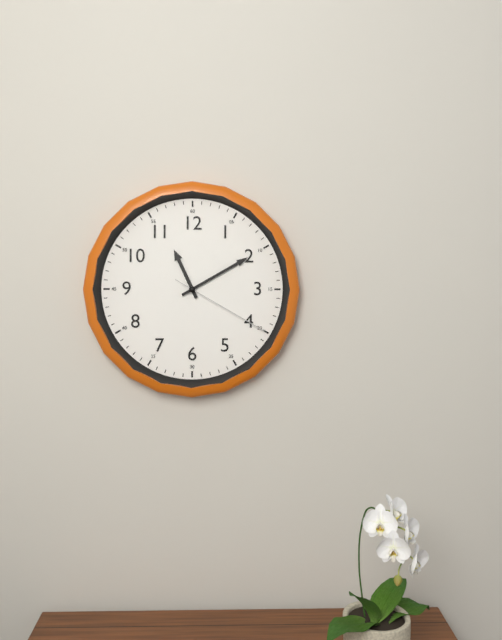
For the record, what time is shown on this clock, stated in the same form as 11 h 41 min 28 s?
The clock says 11 h 10 min 20 s
